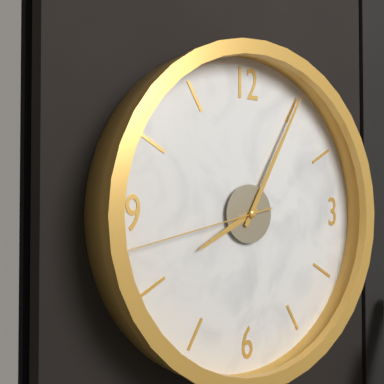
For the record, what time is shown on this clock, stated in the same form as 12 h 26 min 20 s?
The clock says 8 h 05 min 43 s
